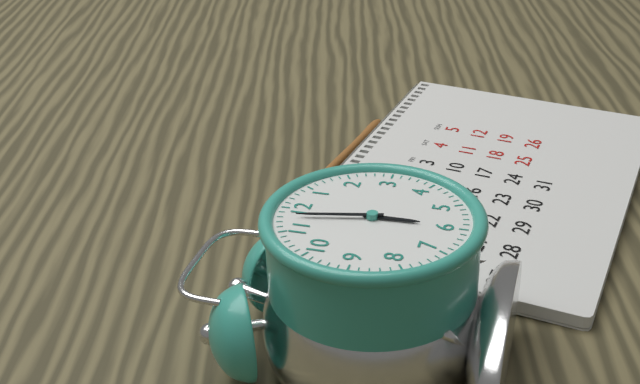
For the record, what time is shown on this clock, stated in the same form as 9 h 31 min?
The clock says 5 h 58 min
